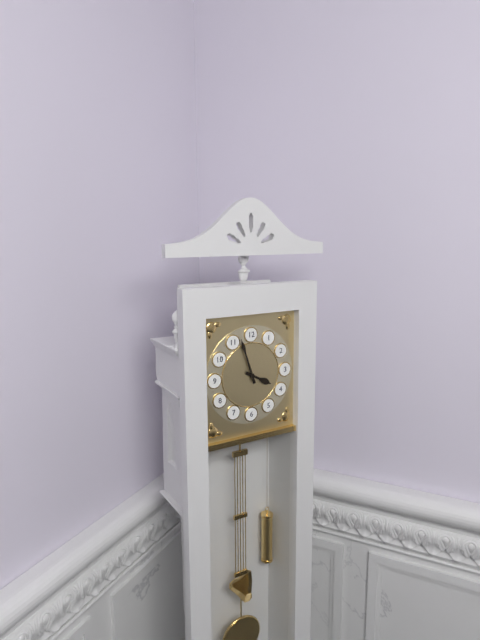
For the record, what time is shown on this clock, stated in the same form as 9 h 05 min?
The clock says 3 h 57 min
